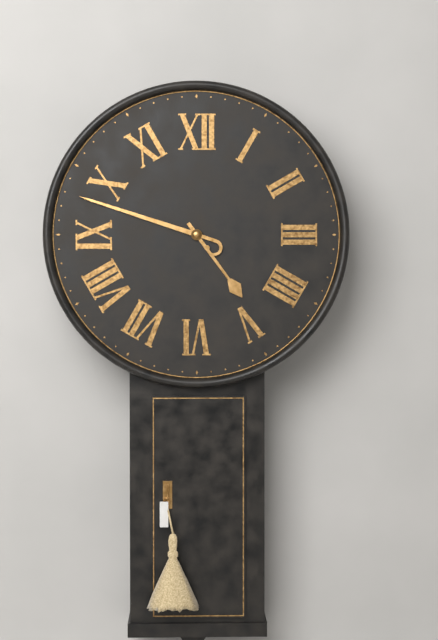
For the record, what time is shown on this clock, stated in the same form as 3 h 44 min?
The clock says 4 h 48 min
